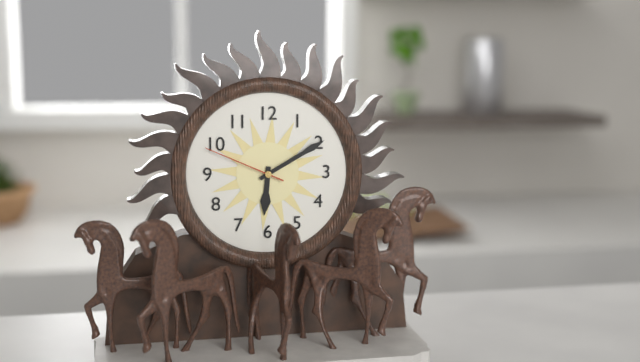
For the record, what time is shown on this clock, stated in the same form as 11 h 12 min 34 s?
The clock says 6 h 10 min 49 s
